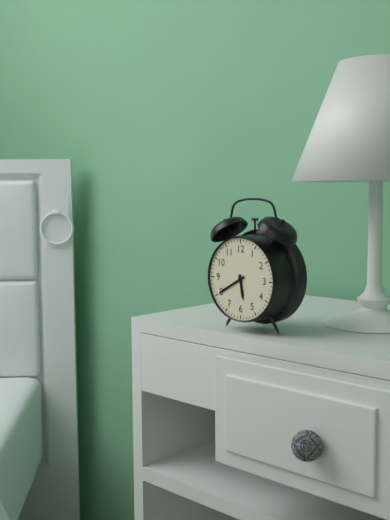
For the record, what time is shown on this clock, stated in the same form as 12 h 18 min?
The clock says 5 h 40 min
